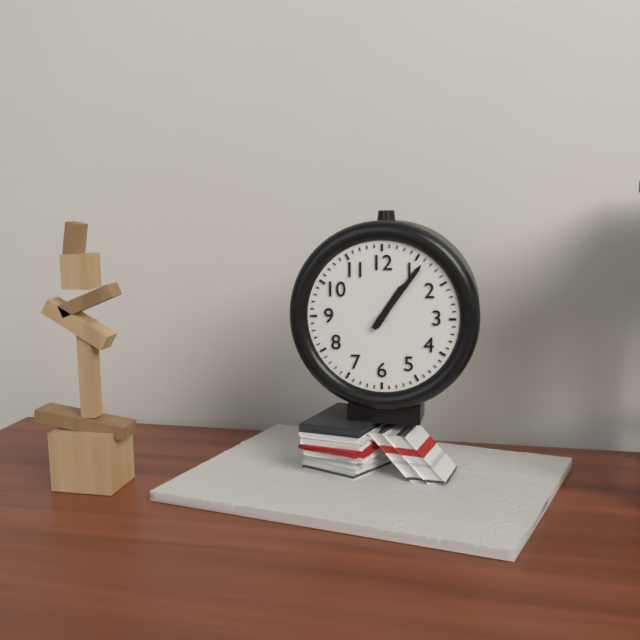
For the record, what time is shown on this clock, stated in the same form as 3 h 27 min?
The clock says 1 h 06 min
